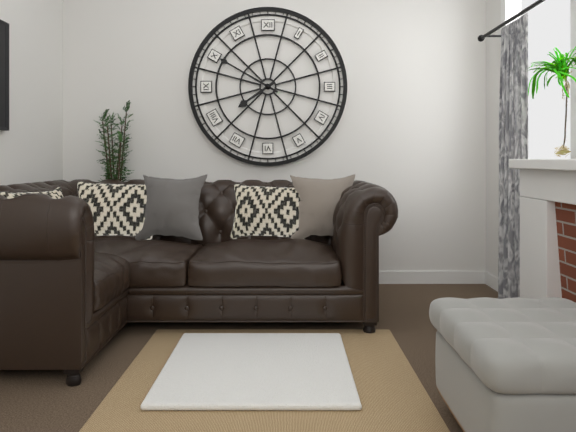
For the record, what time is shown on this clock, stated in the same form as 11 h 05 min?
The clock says 7 h 50 min
